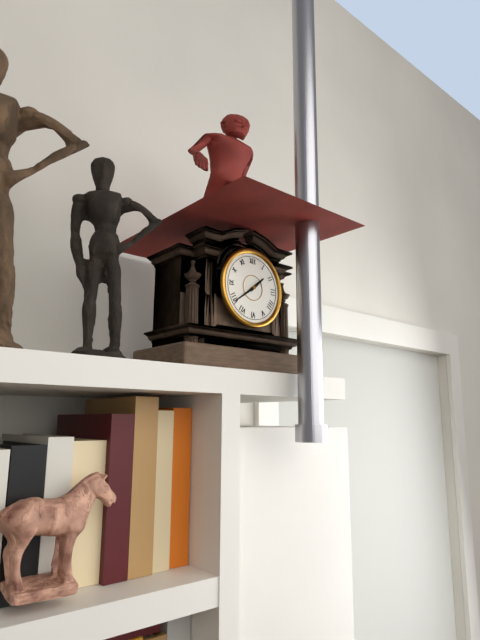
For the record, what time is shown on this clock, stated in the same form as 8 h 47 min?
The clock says 1 h 39 min
